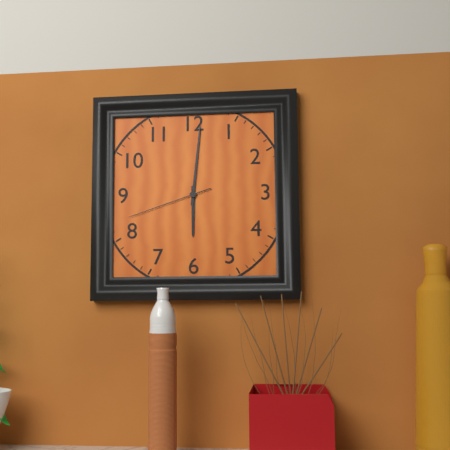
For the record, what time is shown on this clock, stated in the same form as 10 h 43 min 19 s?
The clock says 6 h 01 min 42 s
